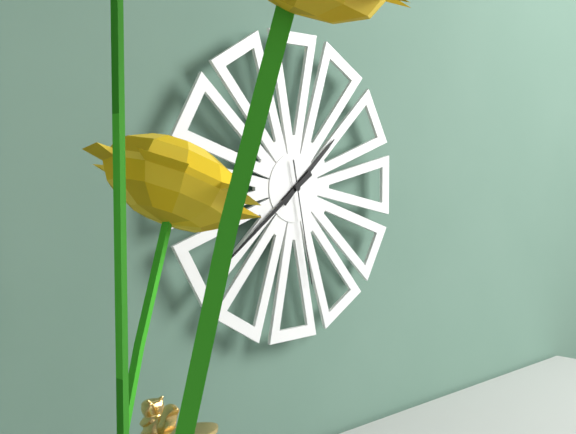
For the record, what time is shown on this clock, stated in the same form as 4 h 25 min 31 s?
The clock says 1 h 39 min 28 s
